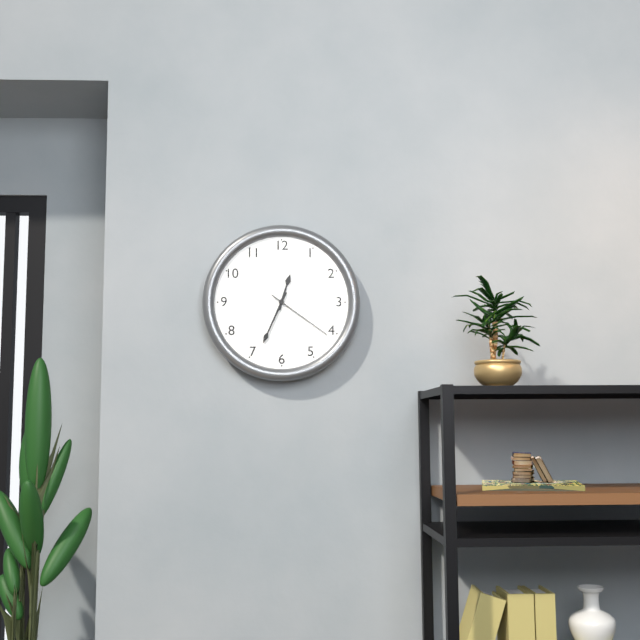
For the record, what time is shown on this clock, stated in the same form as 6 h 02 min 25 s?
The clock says 12 h 34 min 21 s
